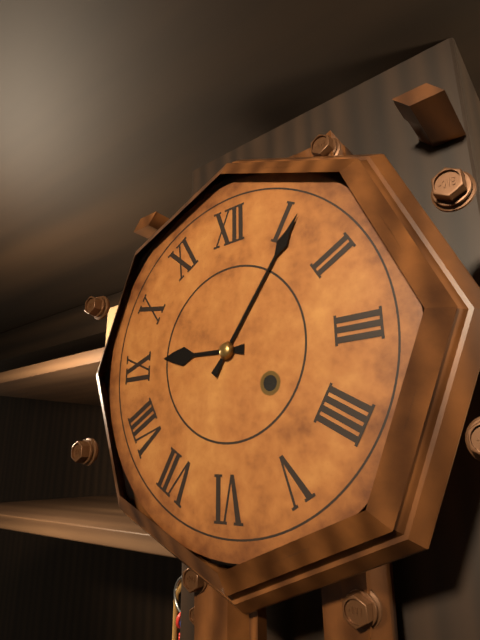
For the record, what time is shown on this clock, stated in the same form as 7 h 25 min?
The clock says 9 h 06 min
